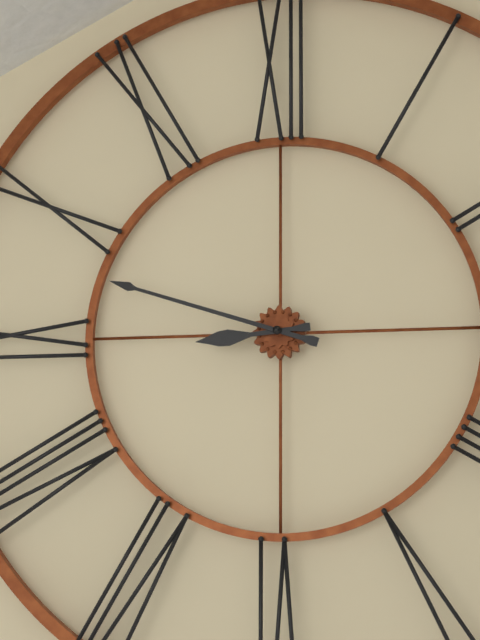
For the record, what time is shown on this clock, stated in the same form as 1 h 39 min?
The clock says 8 h 48 min
